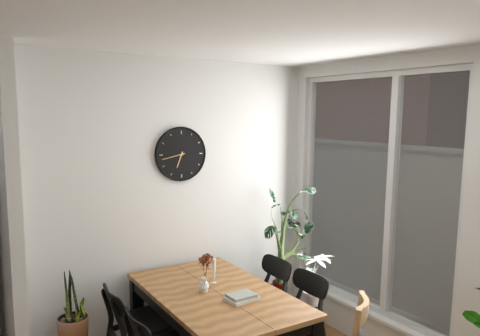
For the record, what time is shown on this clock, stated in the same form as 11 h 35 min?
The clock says 6 h 43 min
